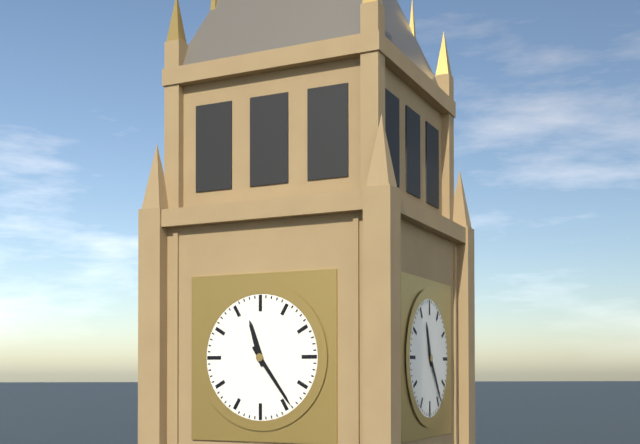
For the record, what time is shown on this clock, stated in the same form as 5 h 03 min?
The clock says 11 h 24 min
